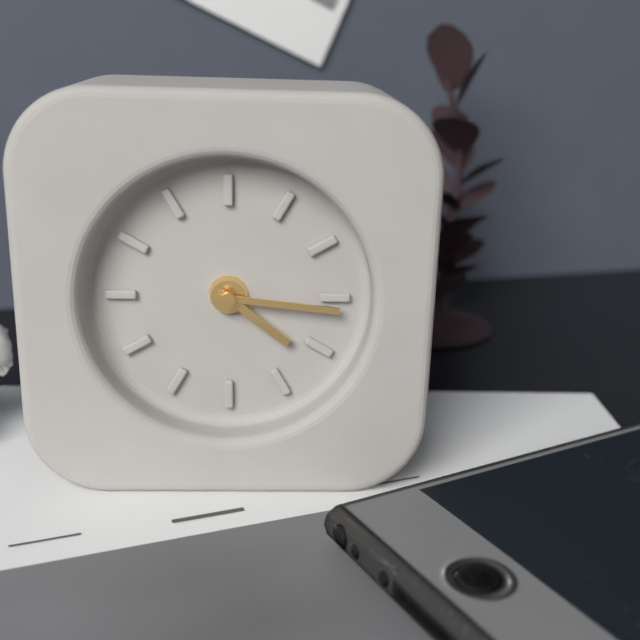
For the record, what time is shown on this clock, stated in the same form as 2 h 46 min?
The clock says 4 h 16 min
